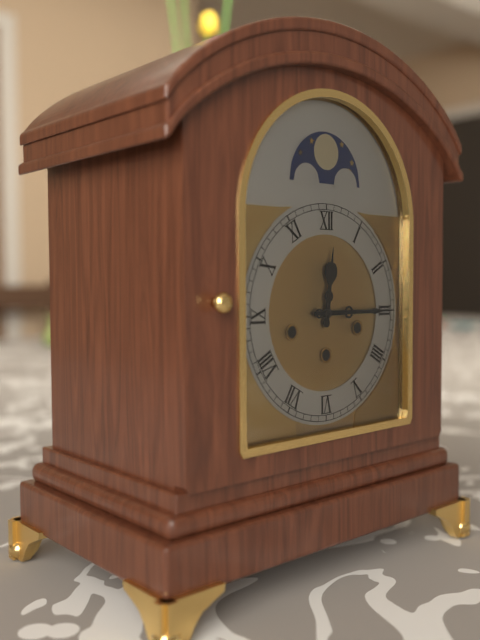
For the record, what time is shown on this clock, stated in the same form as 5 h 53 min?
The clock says 12 h 15 min
